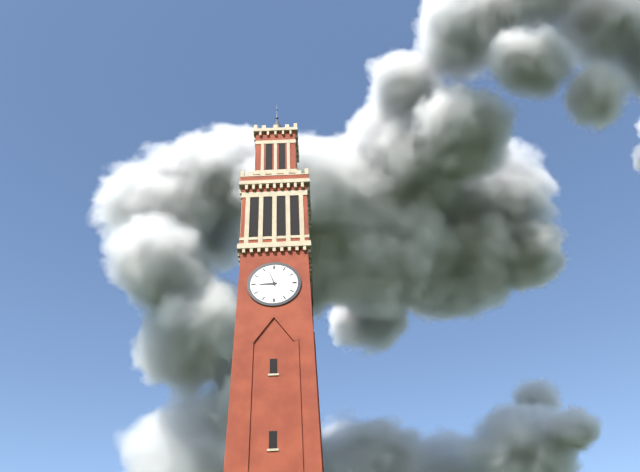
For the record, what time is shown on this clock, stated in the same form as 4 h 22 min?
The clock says 8 h 57 min
